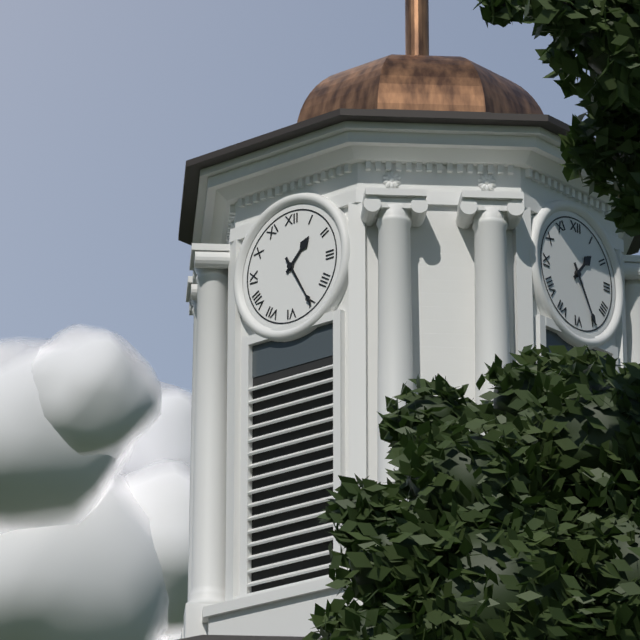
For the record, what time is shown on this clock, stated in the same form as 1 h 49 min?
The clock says 1 h 25 min
